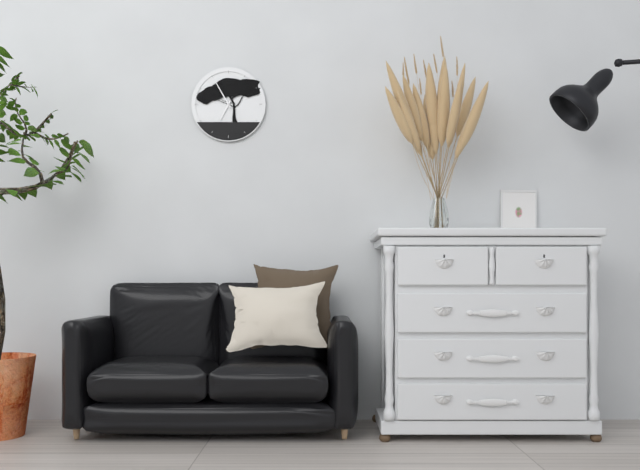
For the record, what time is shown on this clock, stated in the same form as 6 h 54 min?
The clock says 6 h 55 min
